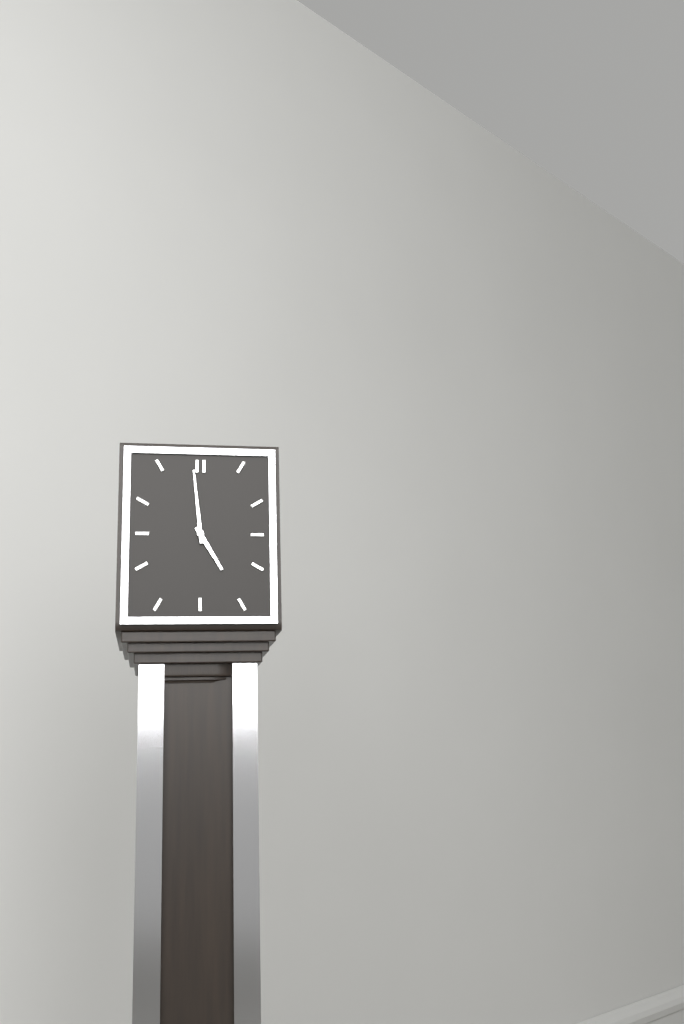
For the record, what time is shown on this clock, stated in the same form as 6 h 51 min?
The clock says 4 h 59 min
